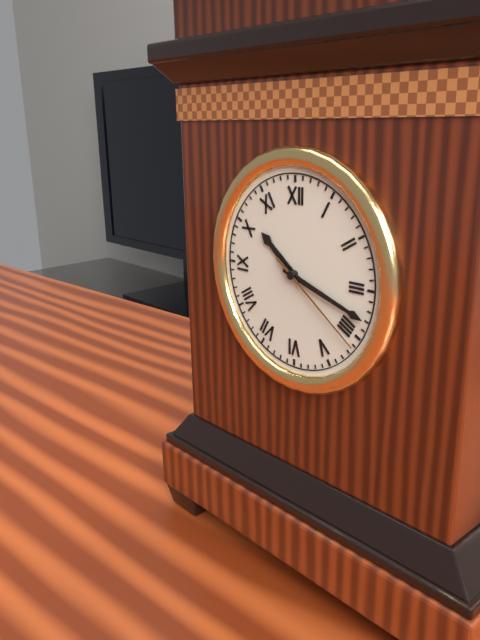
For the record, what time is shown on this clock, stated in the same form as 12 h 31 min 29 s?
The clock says 10 h 18 min 21 s
